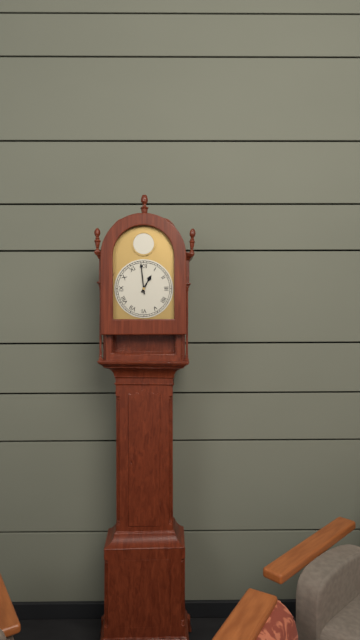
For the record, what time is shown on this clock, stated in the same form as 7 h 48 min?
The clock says 12 h 59 min
